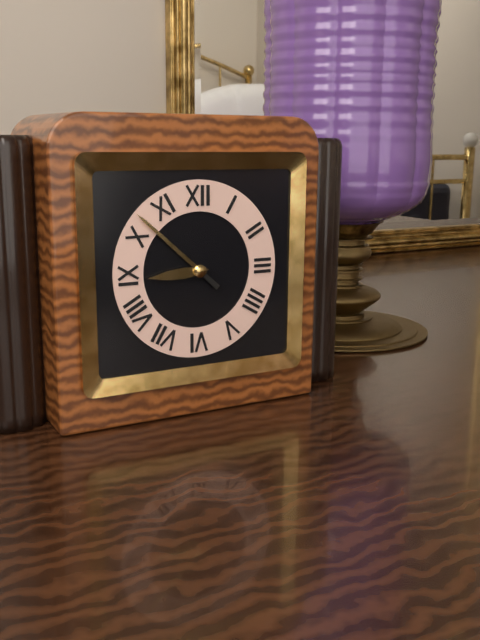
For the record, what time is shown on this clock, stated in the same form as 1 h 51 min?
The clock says 8 h 52 min
